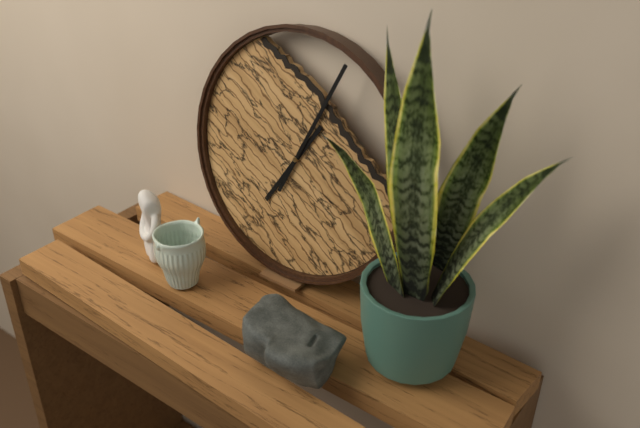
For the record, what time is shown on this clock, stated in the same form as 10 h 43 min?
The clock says 7 h 04 min
